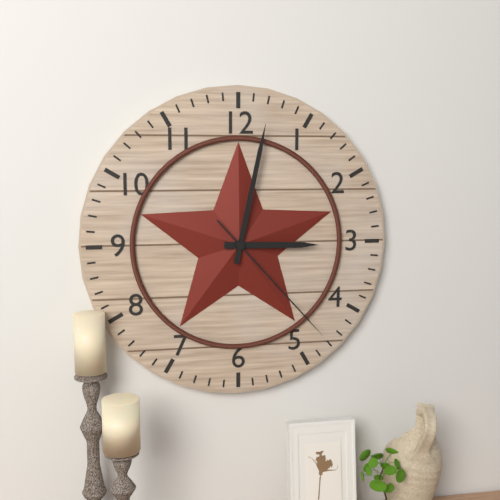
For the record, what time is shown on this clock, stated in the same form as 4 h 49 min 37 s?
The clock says 3 h 02 min 23 s
